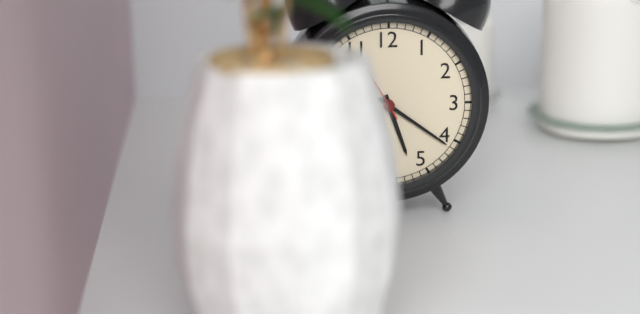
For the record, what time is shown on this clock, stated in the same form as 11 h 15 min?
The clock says 5 h 21 min
